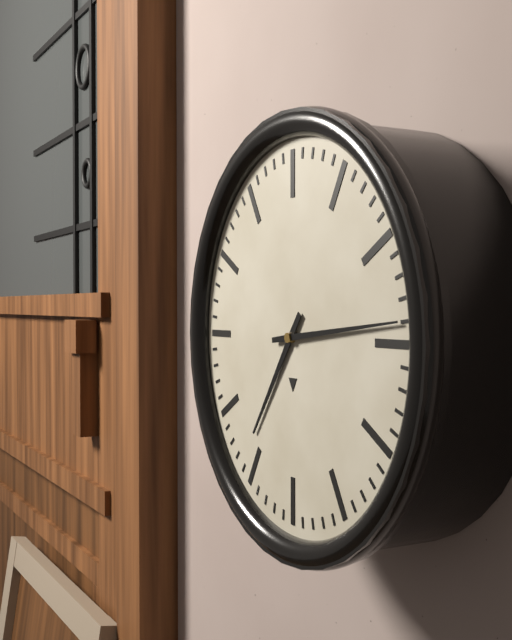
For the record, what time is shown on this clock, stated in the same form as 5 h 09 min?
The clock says 7 h 14 min
